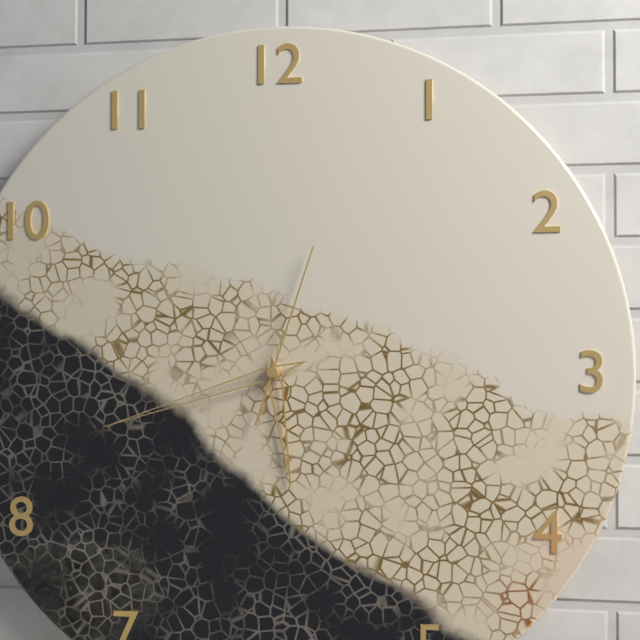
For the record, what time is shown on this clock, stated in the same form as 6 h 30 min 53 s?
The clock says 5 h 42 min 03 s
